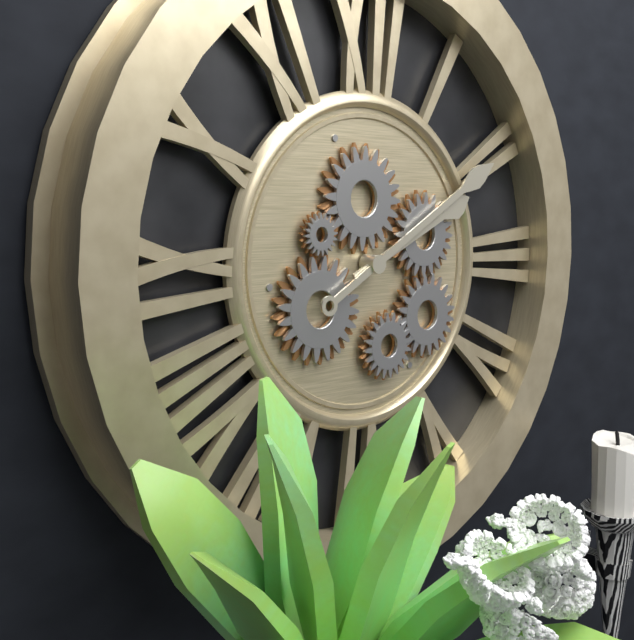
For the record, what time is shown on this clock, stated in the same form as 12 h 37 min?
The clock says 2 h 10 min
